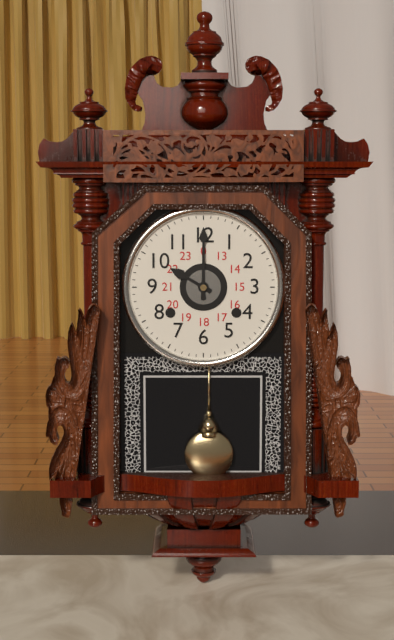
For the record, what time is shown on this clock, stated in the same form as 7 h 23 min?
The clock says 10 h 00 min
